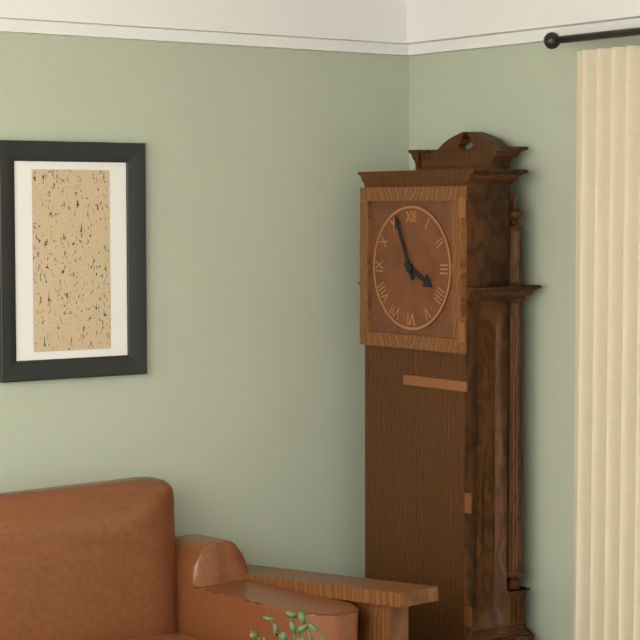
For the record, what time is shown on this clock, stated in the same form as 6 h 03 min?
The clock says 3 h 56 min
